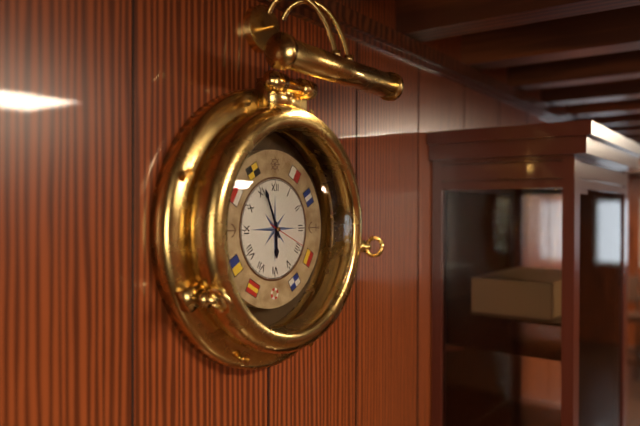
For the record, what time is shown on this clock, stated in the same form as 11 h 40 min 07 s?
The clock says 5 h 56 min 19 s
